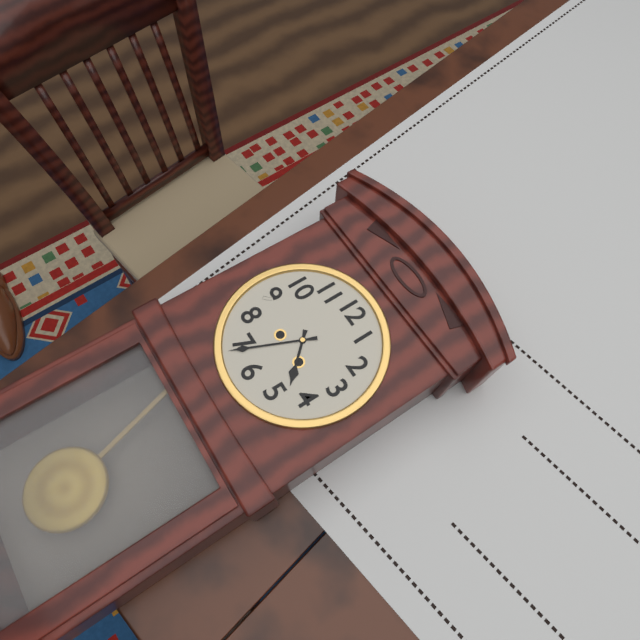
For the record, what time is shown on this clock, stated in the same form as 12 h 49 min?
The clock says 4 h 34 min
